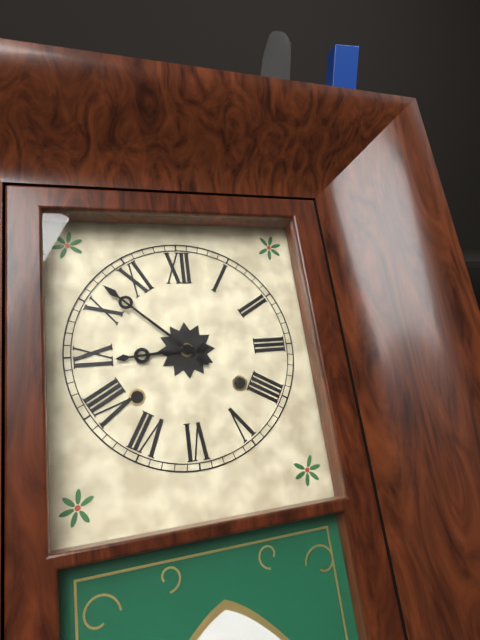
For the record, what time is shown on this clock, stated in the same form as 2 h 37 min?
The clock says 8 h 52 min
